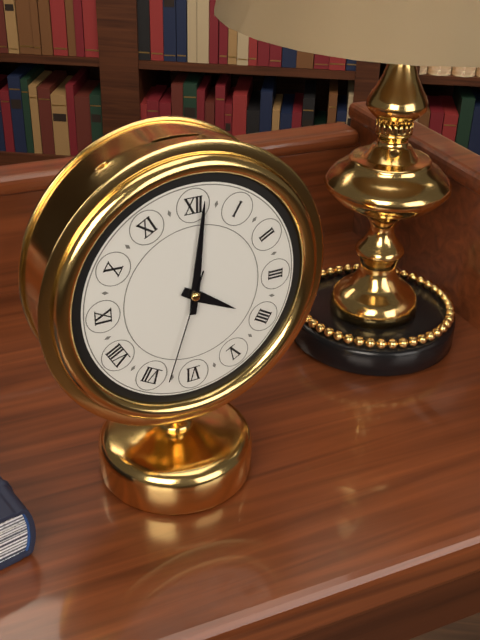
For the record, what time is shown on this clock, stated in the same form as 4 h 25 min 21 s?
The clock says 4 h 01 min 33 s
